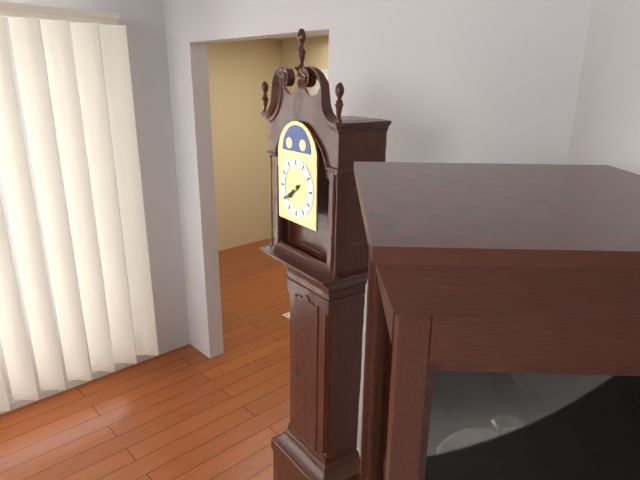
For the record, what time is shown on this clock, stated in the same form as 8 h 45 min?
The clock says 7 h 39 min
